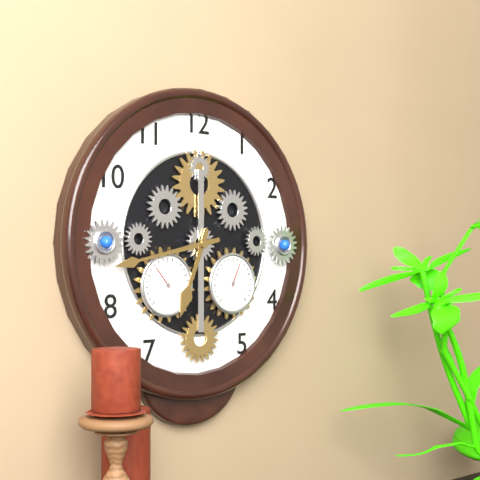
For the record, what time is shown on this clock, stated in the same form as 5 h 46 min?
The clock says 6 h 43 min
